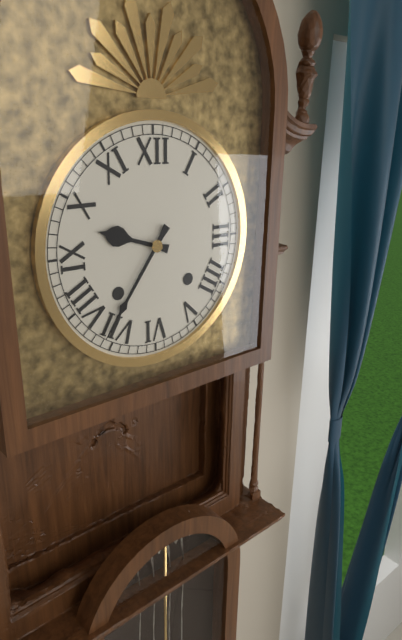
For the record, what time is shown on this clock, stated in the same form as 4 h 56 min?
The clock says 9 h 36 min
